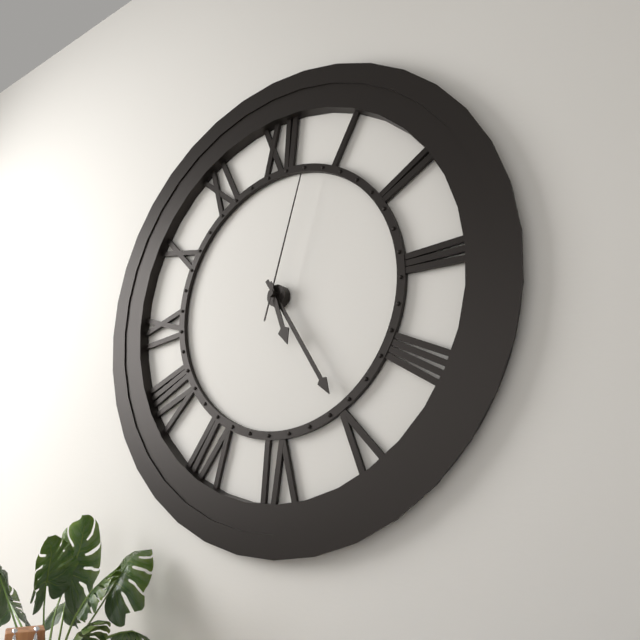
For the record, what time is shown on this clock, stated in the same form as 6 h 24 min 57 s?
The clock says 5 h 25 min 03 s
